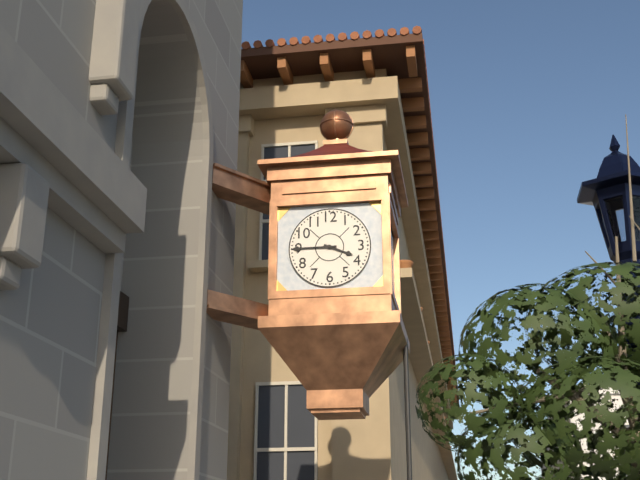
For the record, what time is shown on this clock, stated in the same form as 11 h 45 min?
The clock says 3 h 45 min
